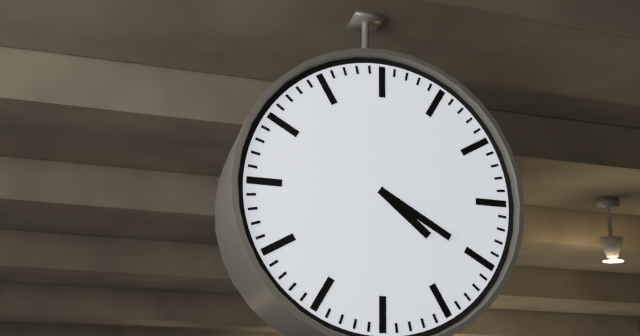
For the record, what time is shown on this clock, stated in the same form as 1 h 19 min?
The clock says 4 h 20 min
